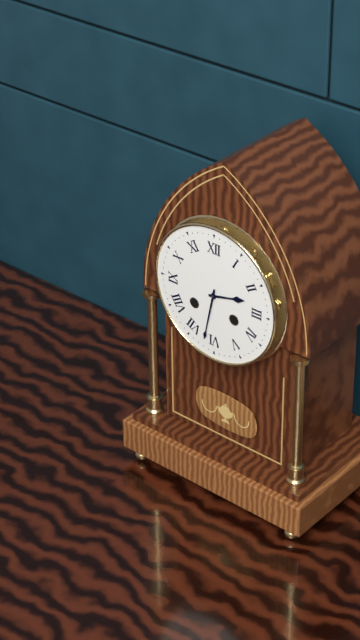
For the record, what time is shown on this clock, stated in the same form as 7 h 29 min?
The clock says 2 h 32 min
